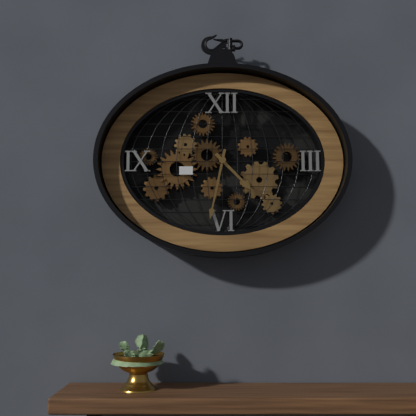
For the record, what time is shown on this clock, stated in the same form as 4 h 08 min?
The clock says 4 h 32 min
